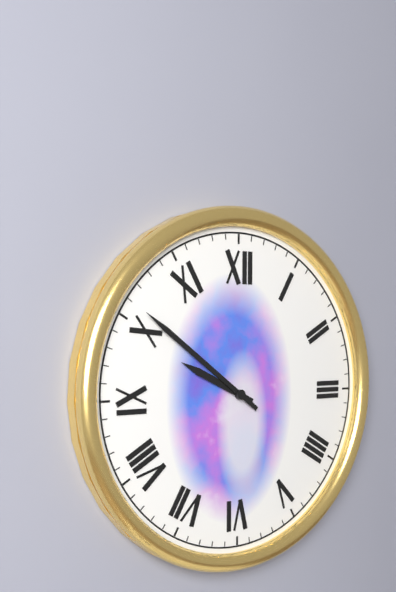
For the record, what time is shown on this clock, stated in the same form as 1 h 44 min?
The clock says 9 h 51 min
